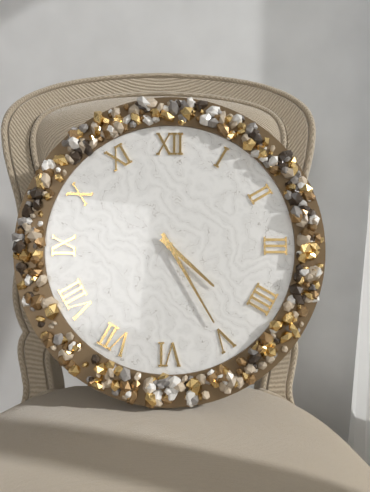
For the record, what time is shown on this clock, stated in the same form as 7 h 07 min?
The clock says 4 h 25 min
